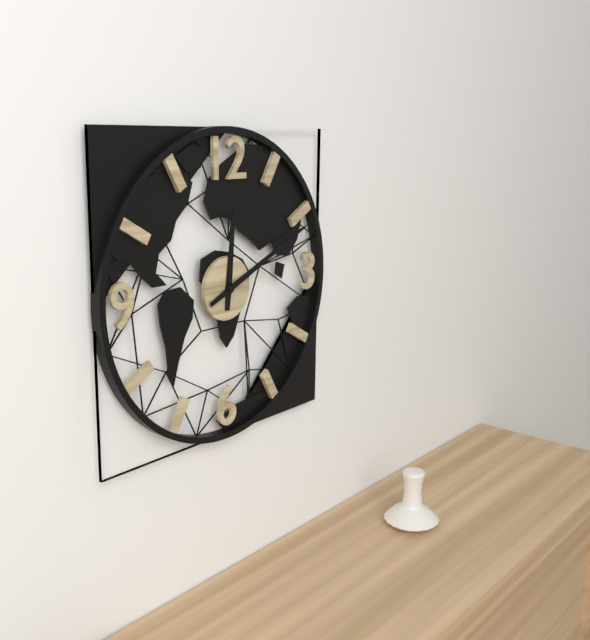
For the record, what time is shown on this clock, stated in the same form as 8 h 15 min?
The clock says 12 h 11 min
